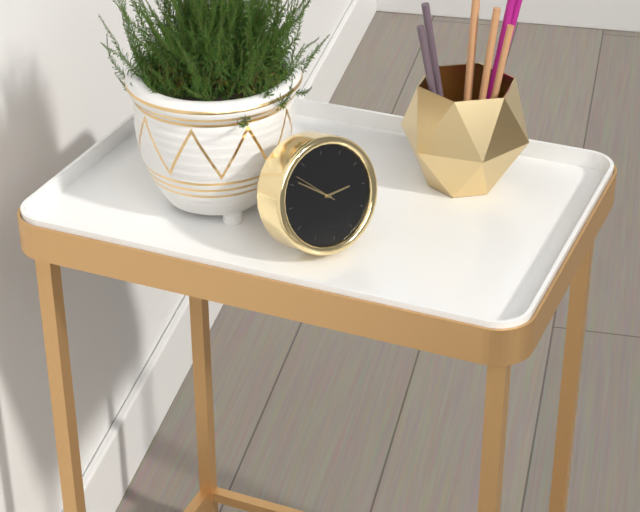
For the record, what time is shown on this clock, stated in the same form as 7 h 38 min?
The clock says 2 h 51 min
